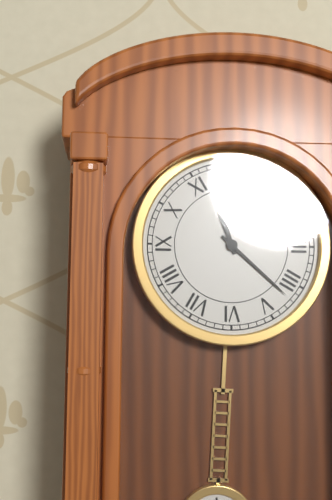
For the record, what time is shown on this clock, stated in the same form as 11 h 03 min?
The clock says 11 h 22 min
